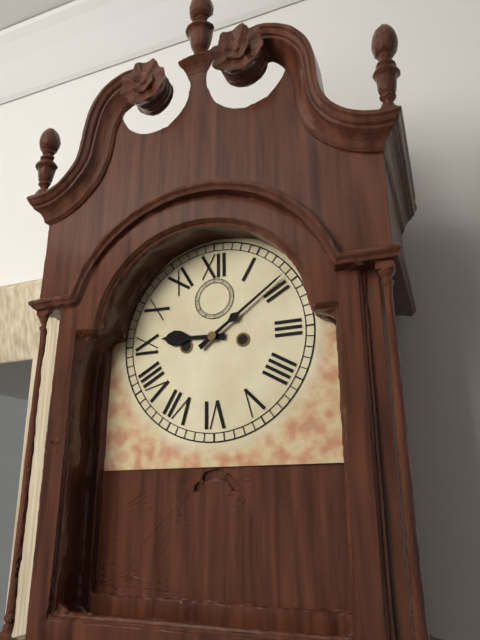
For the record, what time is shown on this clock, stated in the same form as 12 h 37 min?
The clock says 9 h 09 min
